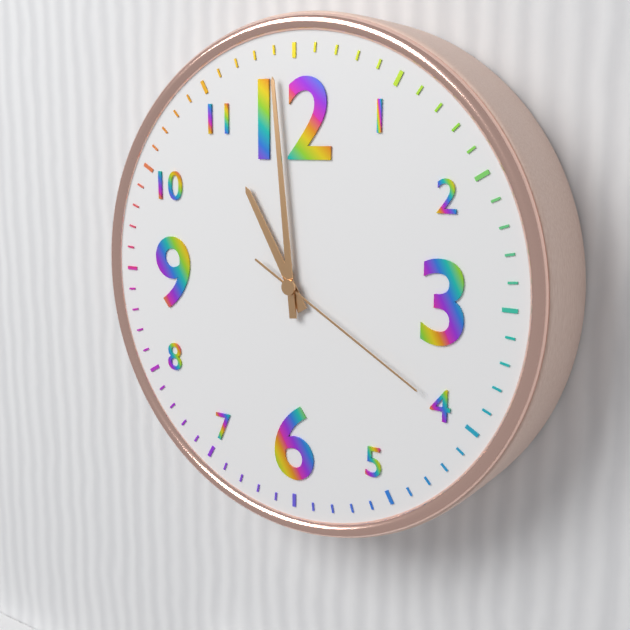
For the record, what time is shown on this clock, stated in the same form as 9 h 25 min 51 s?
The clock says 10 h 59 min 20 s
